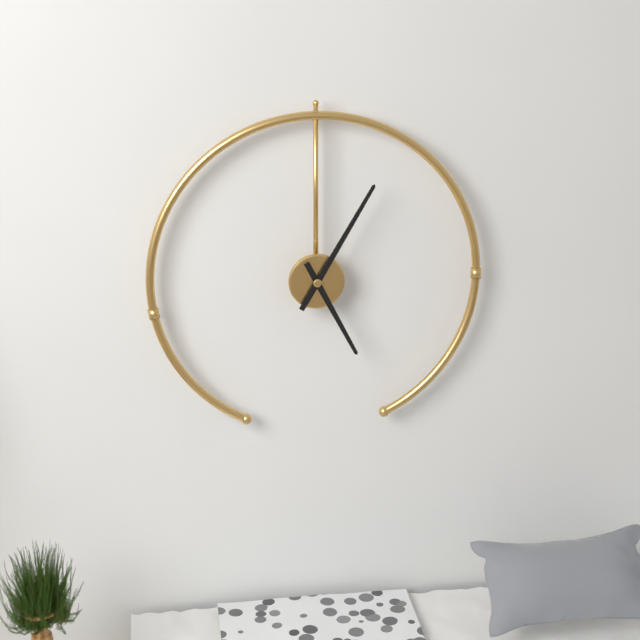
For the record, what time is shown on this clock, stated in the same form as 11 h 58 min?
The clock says 5 h 05 min
